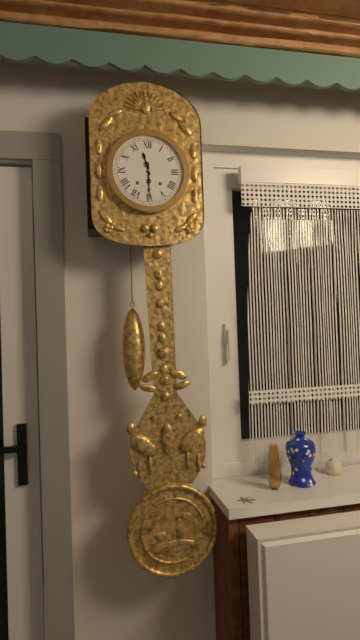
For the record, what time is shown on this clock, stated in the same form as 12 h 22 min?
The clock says 11 h 30 min
